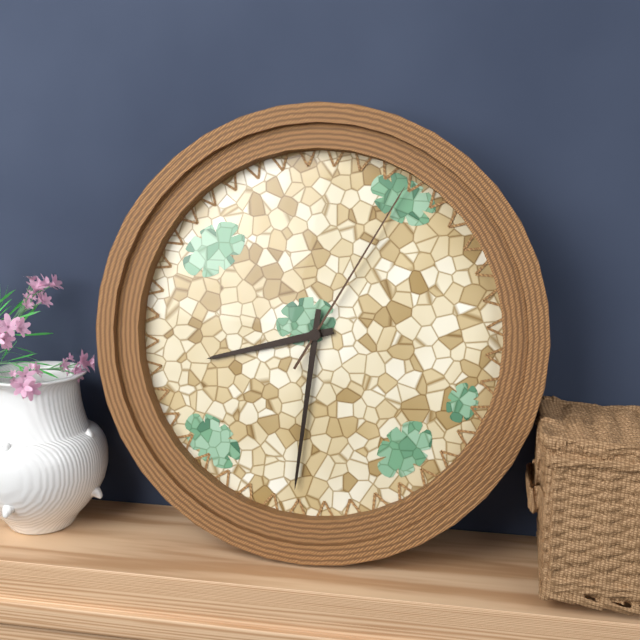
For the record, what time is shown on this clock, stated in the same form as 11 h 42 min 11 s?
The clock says 8 h 31 min 05 s
